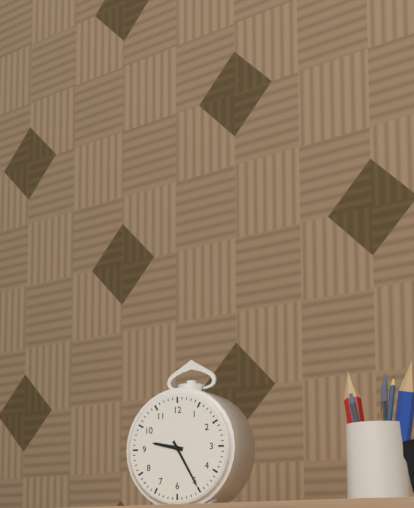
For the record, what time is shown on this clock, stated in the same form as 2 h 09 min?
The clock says 9 h 25 min
